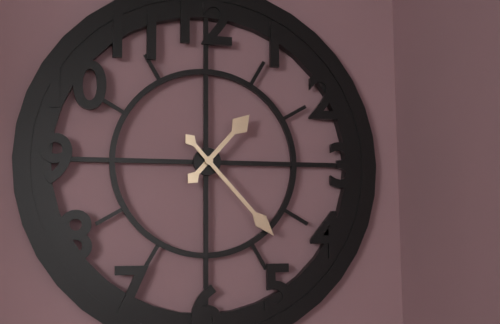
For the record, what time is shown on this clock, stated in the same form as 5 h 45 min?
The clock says 1 h 23 min
